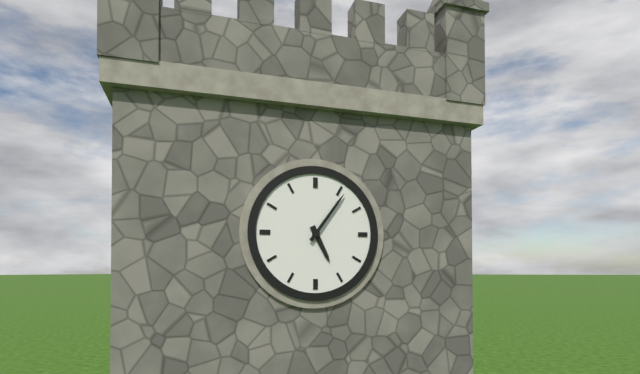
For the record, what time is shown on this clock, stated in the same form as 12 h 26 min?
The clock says 5 h 06 min
